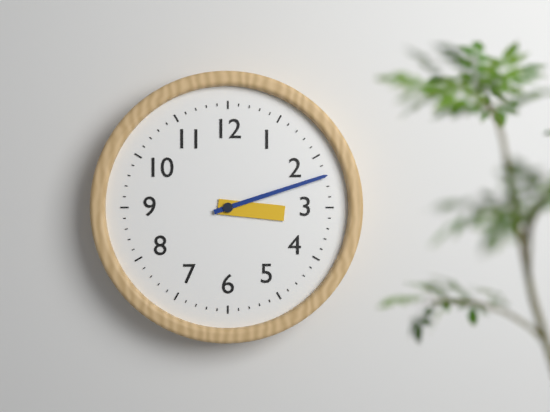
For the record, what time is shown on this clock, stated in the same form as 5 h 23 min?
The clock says 3 h 12 min
